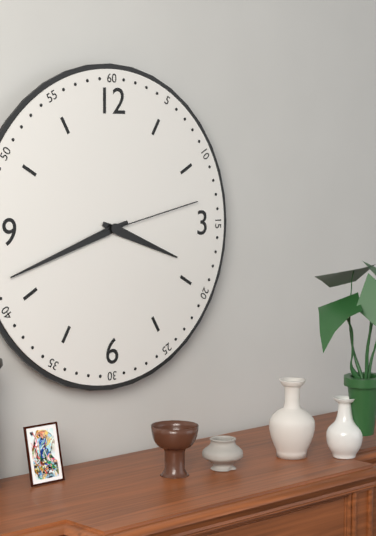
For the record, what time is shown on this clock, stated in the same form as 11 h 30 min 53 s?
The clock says 3 h 42 min 13 s
